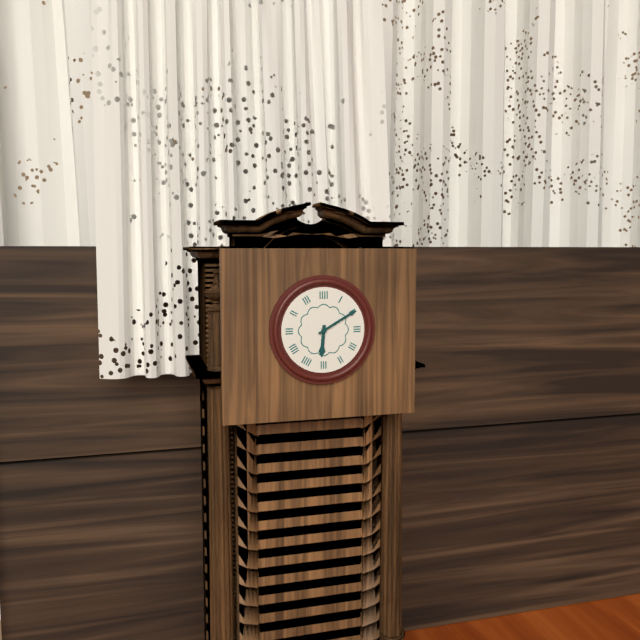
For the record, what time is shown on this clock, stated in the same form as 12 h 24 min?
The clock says 6 h 10 min
